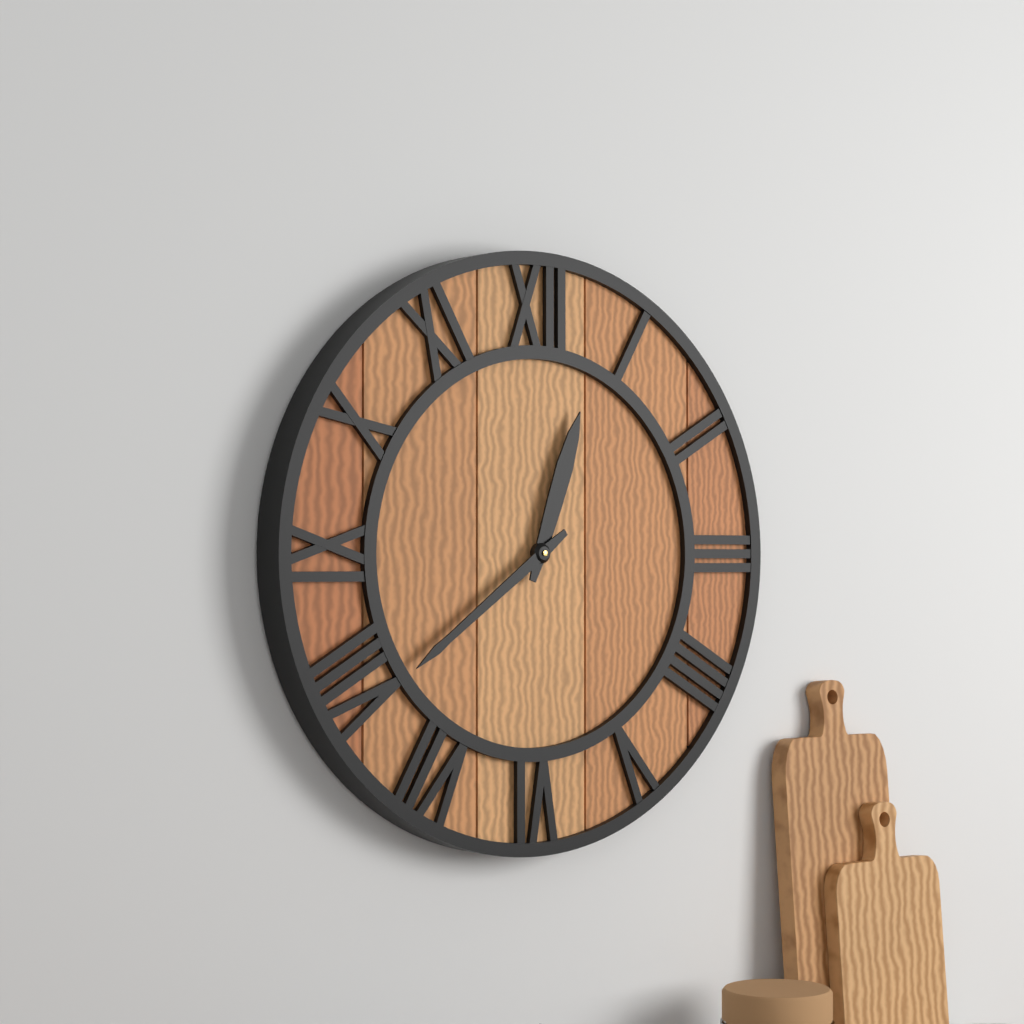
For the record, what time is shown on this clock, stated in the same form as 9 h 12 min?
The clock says 12 h 39 min
